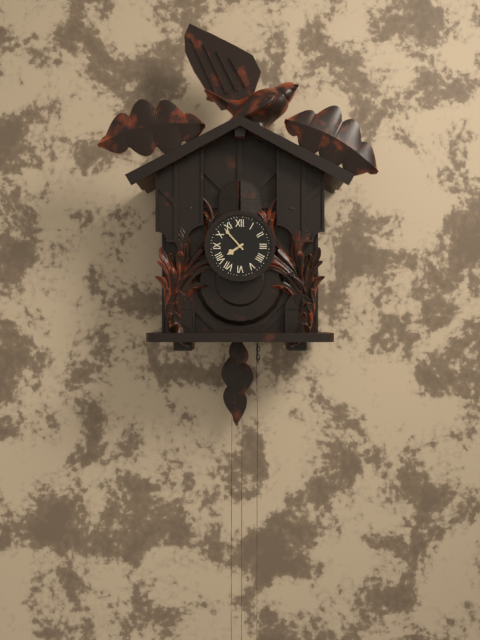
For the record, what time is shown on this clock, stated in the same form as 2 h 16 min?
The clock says 7 h 53 min
